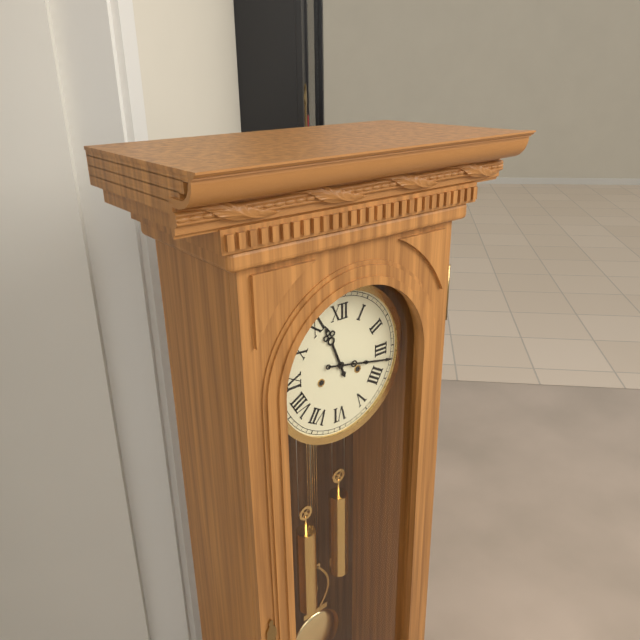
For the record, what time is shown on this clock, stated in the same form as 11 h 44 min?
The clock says 11 h 17 min
